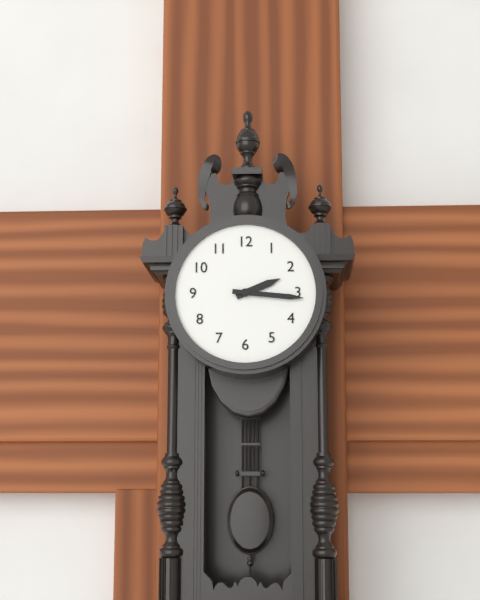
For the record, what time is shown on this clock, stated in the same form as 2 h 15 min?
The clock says 2 h 16 min
